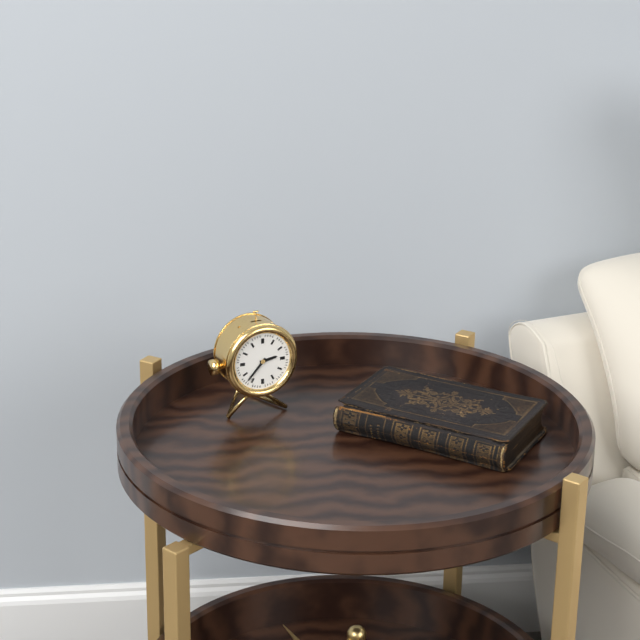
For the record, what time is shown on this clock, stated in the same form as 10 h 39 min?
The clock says 2 h 37 min
